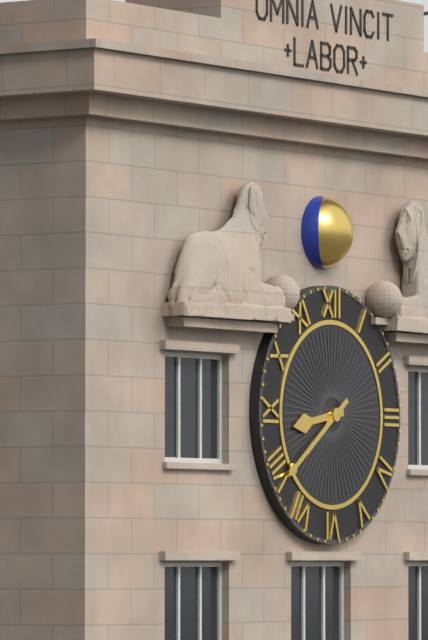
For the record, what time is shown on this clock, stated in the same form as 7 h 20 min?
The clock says 8 h 39 min
